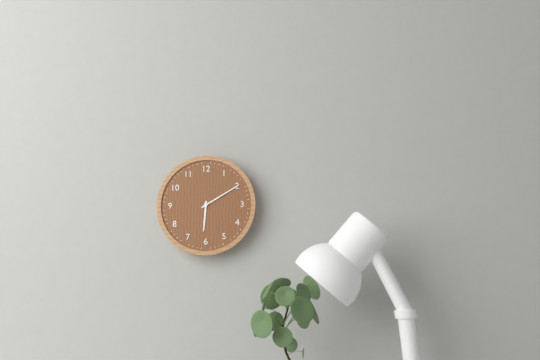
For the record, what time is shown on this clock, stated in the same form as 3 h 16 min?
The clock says 6 h 10 min
